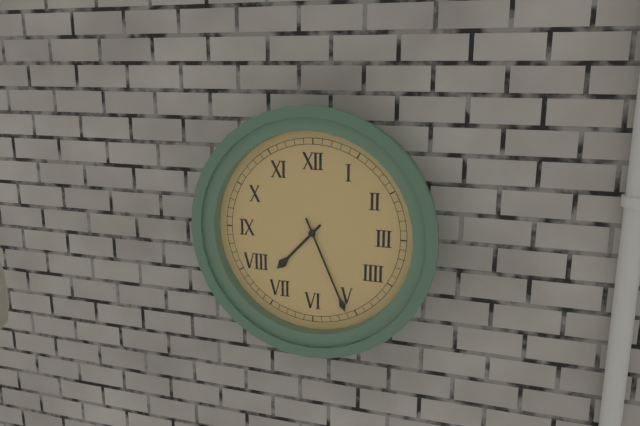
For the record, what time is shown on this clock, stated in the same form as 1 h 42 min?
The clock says 7 h 26 min
